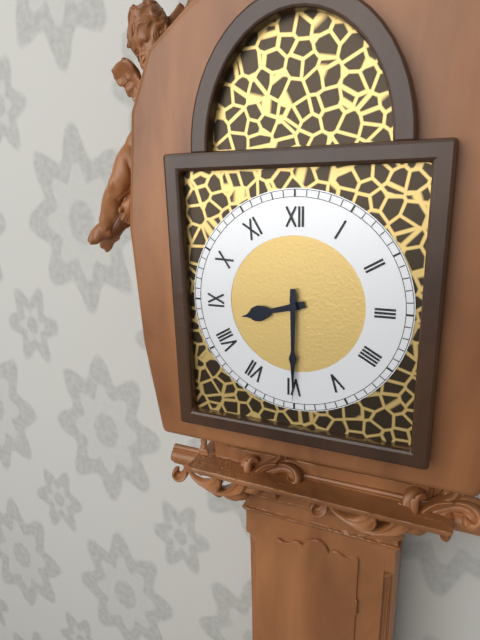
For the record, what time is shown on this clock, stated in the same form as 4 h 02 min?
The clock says 8 h 30 min
